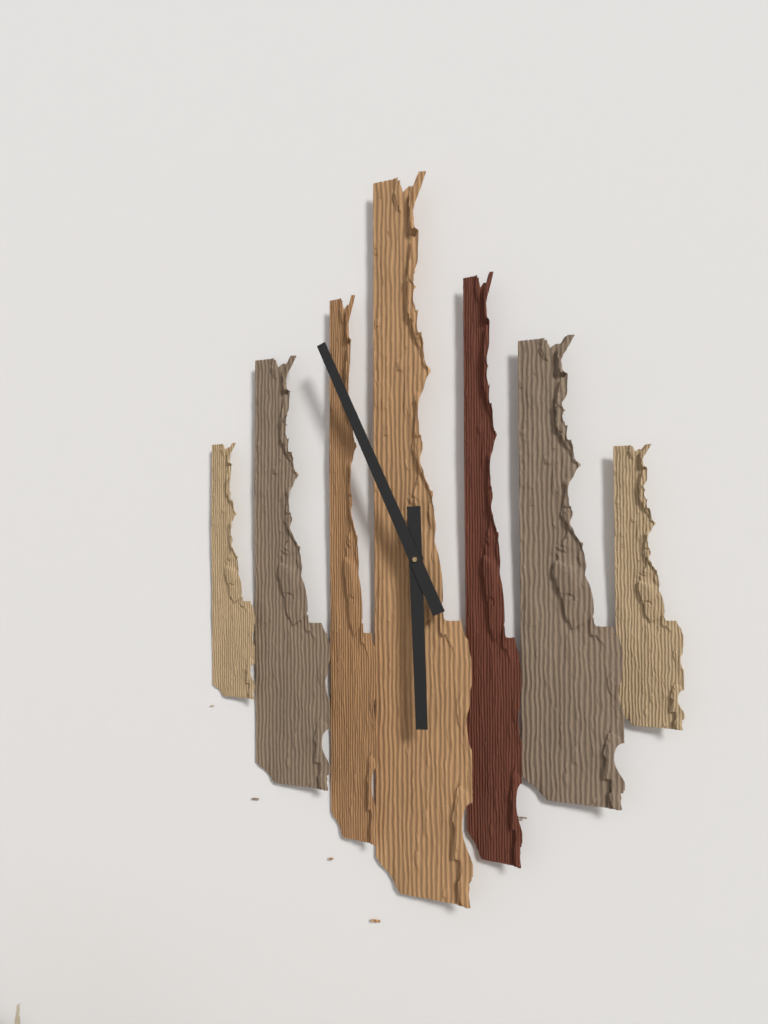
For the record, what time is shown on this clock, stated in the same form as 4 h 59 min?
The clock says 5 h 56 min
